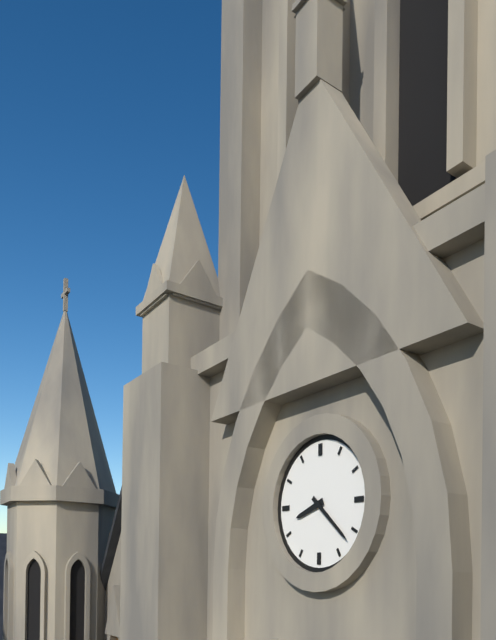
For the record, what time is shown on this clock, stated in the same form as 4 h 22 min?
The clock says 8 h 22 min
